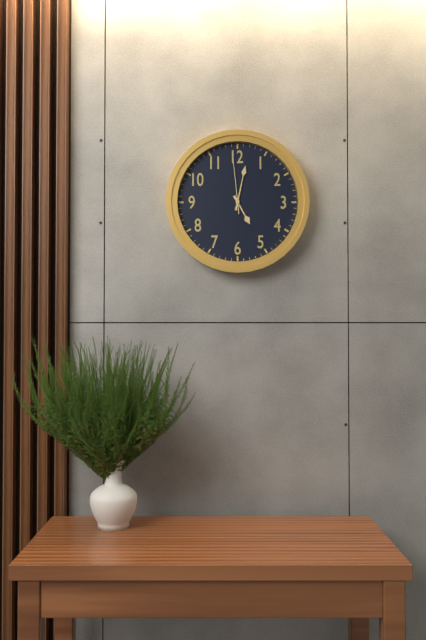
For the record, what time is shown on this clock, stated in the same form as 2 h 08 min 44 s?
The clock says 5 h 02 min 59 s
